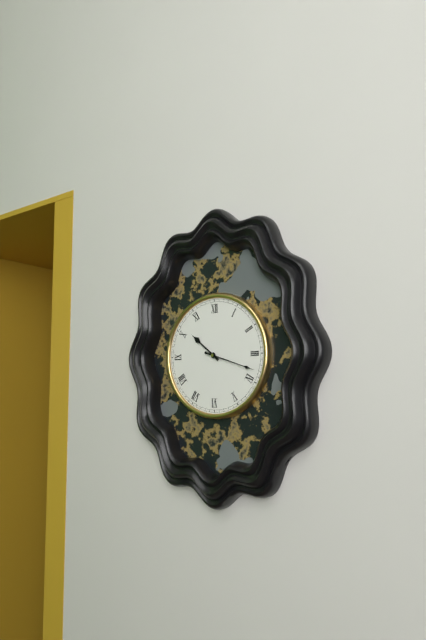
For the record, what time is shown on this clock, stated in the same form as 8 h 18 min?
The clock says 10 h 18 min
